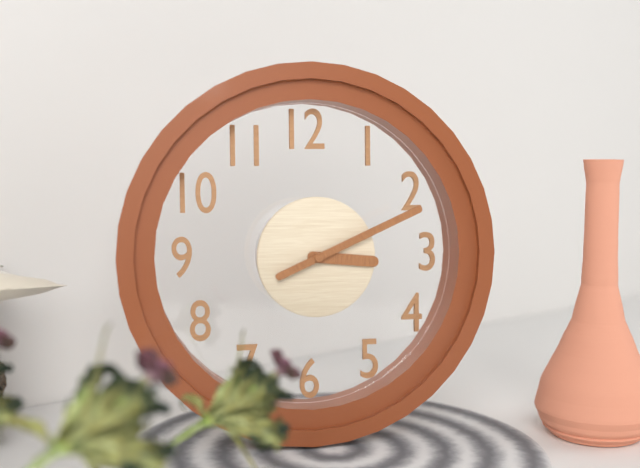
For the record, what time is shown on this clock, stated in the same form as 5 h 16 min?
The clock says 3 h 11 min
